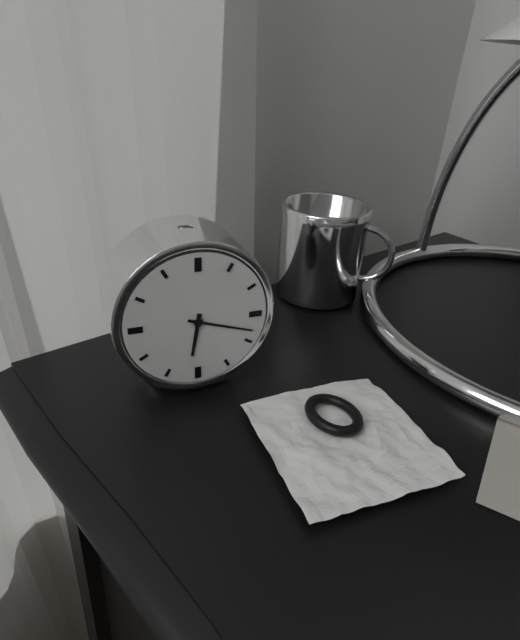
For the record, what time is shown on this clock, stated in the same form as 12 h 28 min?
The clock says 6 h 18 min
